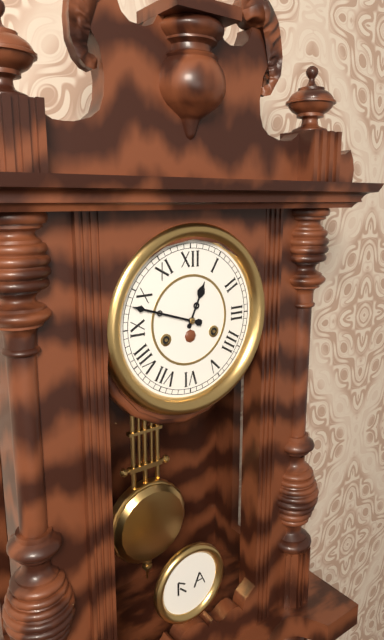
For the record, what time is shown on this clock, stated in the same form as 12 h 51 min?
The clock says 12 h 48 min
